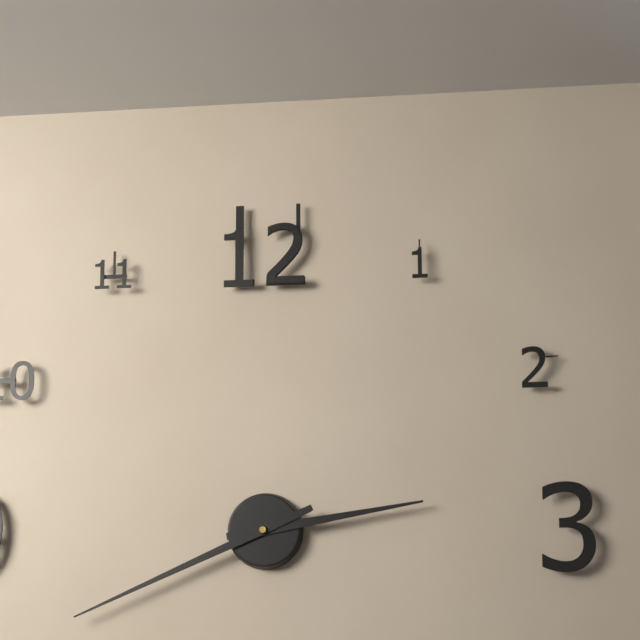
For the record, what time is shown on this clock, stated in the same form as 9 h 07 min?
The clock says 2 h 41 min
